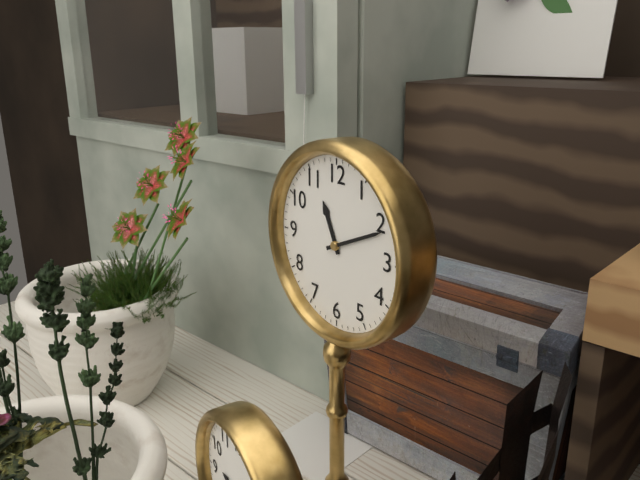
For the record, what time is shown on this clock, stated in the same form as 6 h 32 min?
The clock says 11 h 11 min
